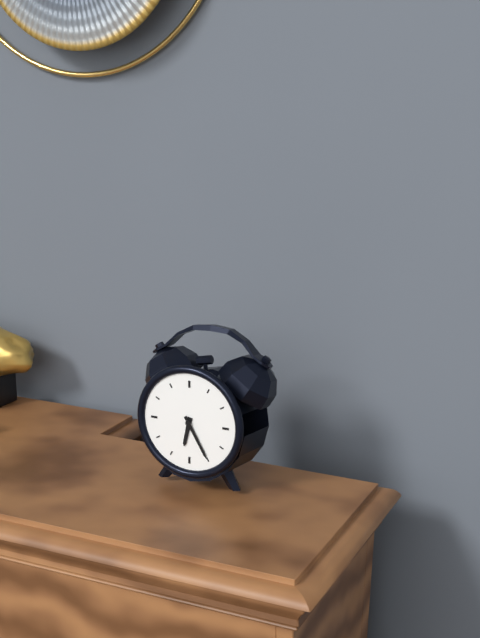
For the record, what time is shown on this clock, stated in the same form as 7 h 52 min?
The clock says 6 h 25 min
